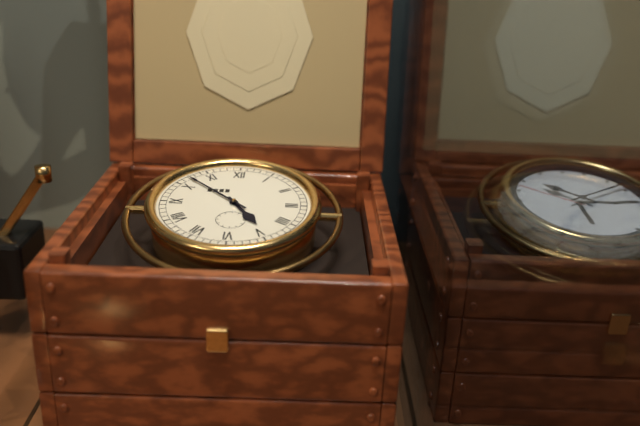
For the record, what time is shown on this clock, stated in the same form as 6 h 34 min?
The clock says 4 h 52 min
